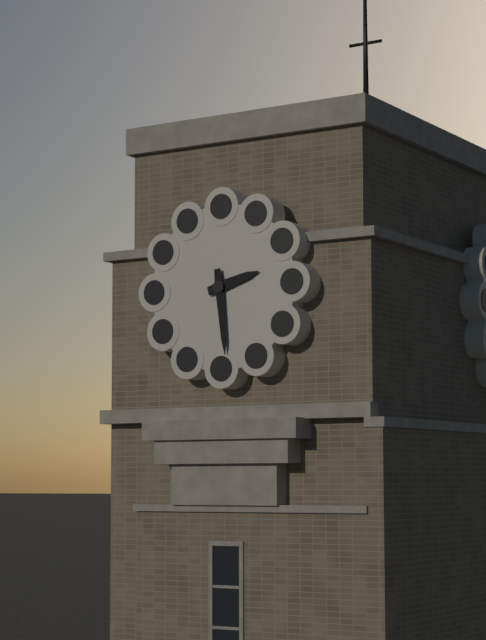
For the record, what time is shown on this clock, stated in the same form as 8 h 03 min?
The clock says 2 h 29 min
